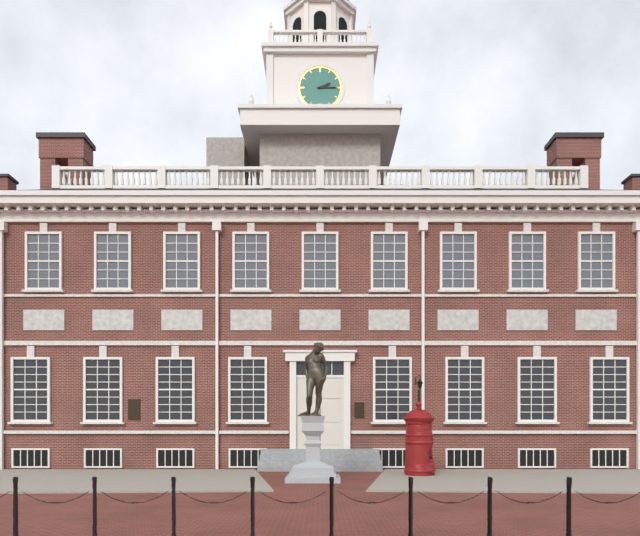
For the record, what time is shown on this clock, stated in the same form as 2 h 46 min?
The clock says 2 h 15 min
